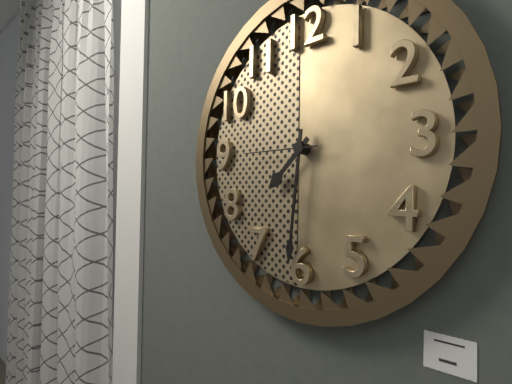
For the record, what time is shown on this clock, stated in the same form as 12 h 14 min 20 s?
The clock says 7 h 31 min 45 s
